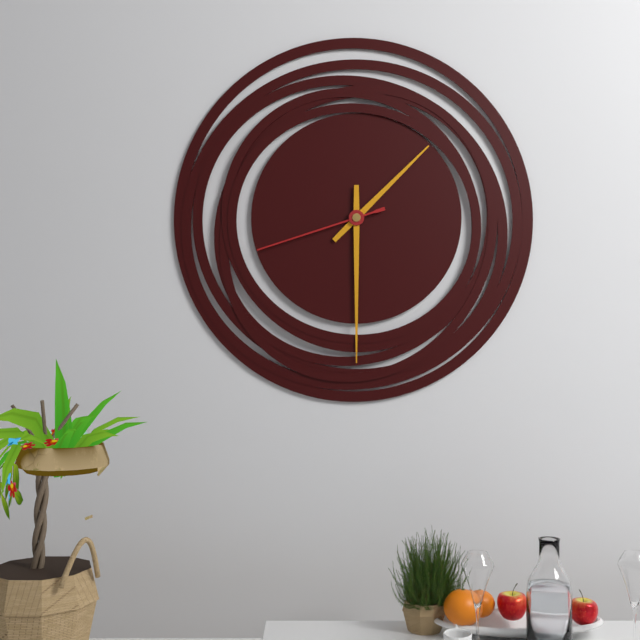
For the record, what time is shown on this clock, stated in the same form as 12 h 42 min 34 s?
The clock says 1 h 30 min 42 s
